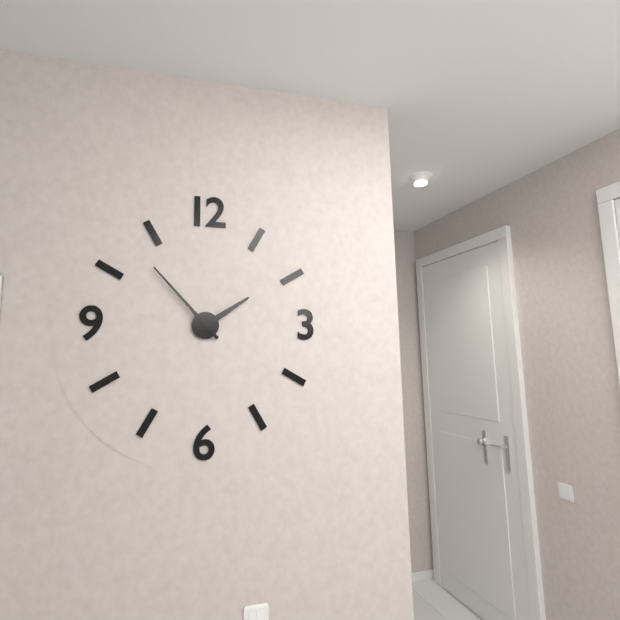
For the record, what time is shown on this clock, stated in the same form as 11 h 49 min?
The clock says 1 h 53 min
